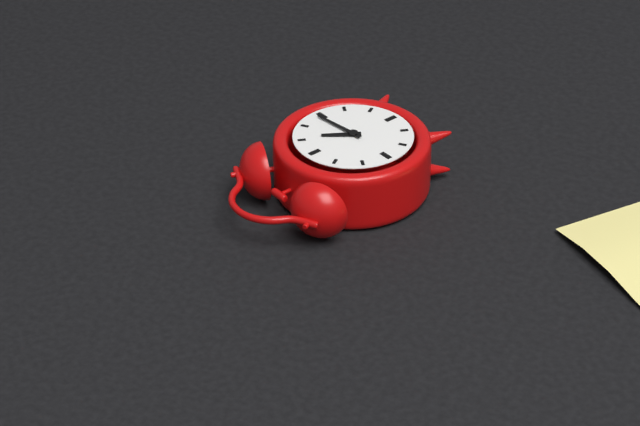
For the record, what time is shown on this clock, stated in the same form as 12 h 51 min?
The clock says 1 h 14 min
